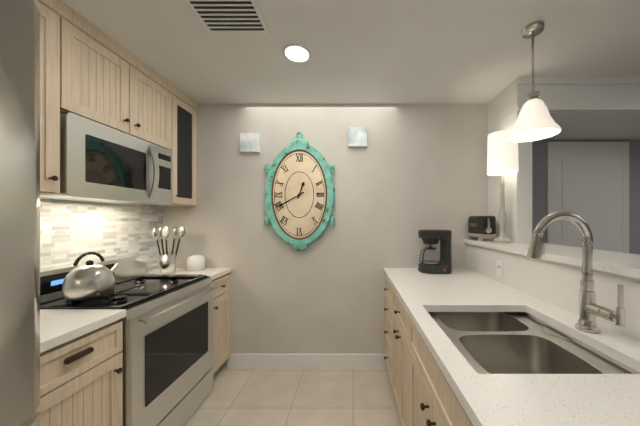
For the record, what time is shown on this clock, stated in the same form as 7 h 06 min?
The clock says 12 h 40 min
